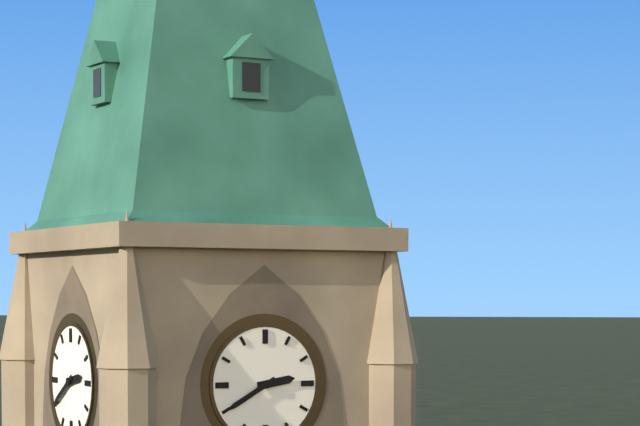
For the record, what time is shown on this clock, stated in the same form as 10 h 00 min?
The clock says 2 h 40 min
